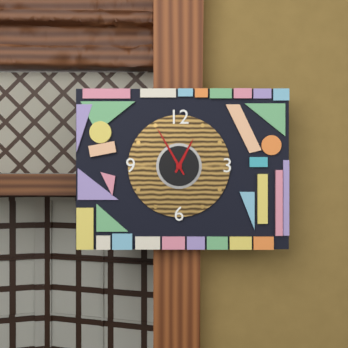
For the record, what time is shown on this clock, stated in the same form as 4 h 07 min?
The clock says 12 h 55 min
